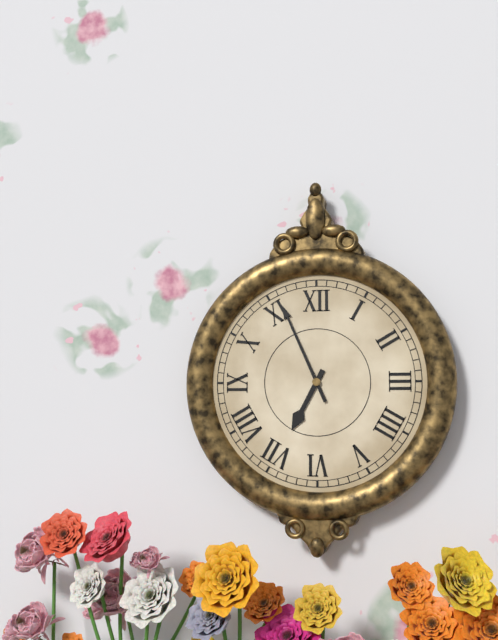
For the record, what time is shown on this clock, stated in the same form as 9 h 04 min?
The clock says 6 h 56 min
